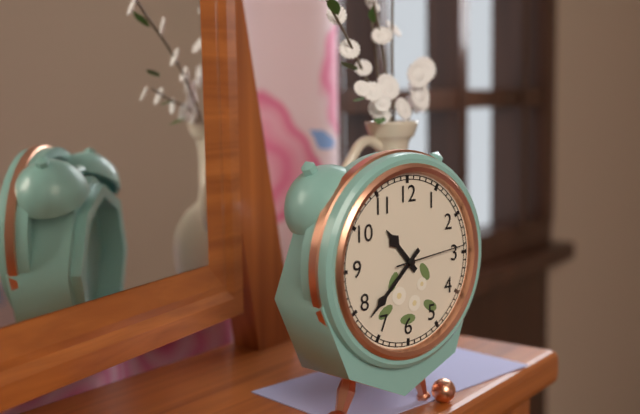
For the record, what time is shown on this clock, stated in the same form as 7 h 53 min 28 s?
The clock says 10 h 38 min 14 s
